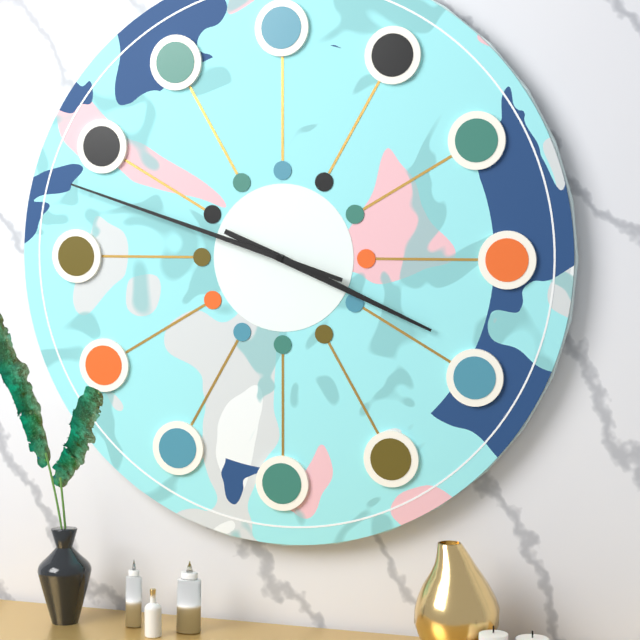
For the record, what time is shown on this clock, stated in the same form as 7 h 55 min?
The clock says 3 h 48 min
